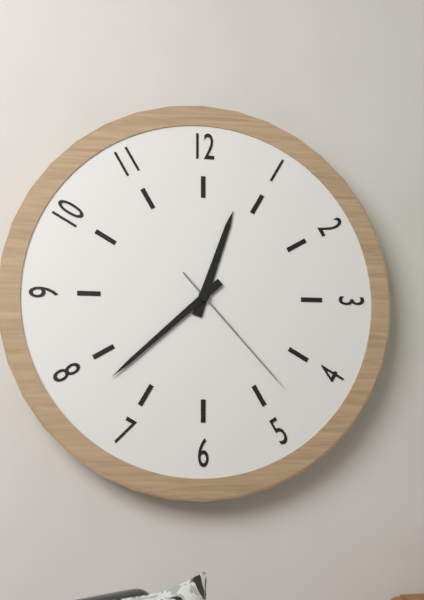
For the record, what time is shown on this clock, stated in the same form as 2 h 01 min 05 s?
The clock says 12 h 38 min 23 s
